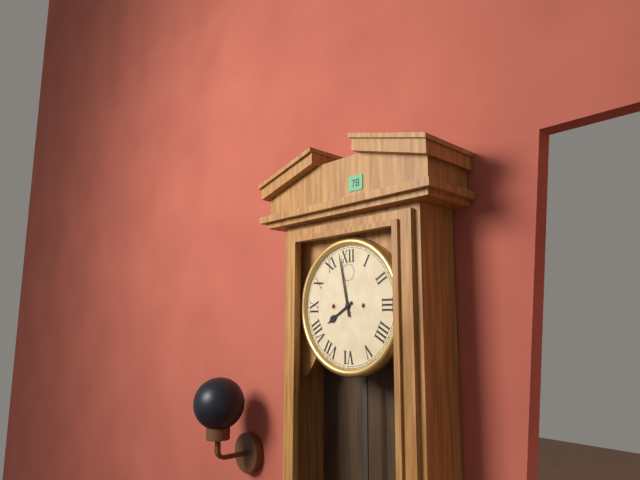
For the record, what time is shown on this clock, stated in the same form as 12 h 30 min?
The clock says 7 h 58 min
